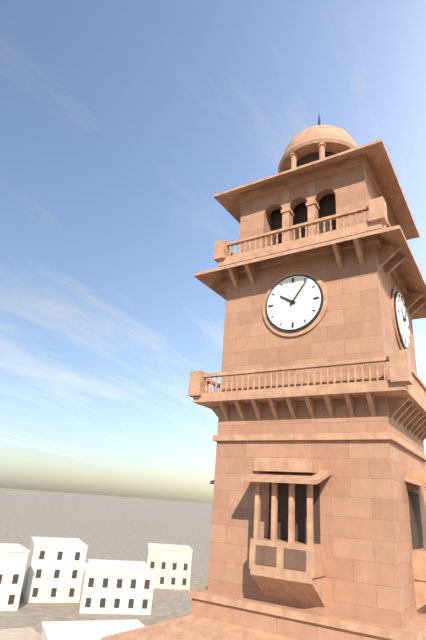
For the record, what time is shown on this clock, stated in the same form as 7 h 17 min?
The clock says 10 h 06 min
